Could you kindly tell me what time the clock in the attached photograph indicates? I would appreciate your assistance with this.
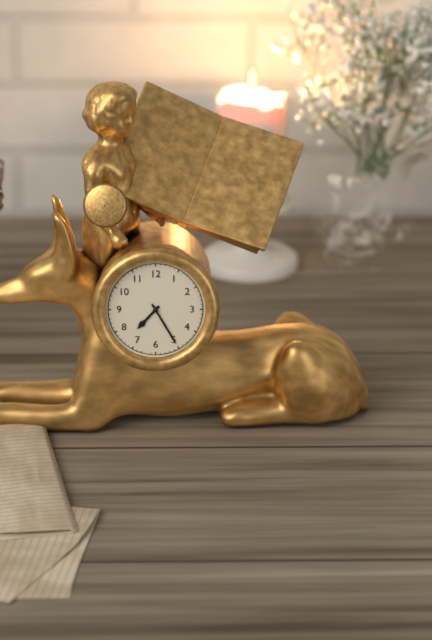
7:25
